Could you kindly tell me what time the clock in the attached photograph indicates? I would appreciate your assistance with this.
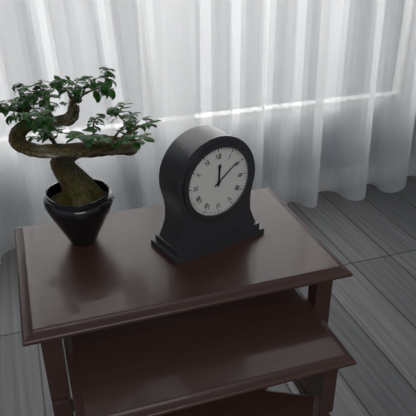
12:09
